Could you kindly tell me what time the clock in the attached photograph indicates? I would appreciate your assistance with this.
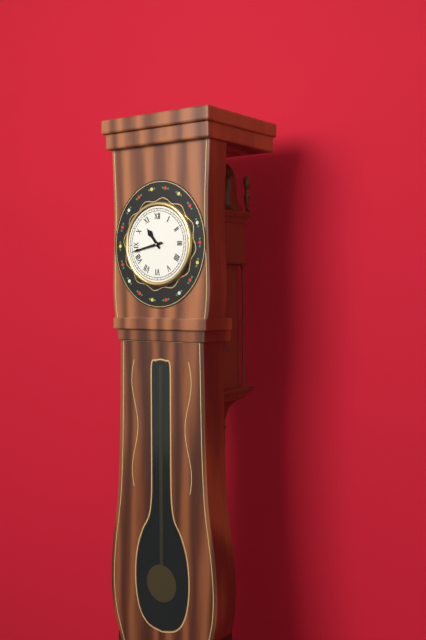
10:43
